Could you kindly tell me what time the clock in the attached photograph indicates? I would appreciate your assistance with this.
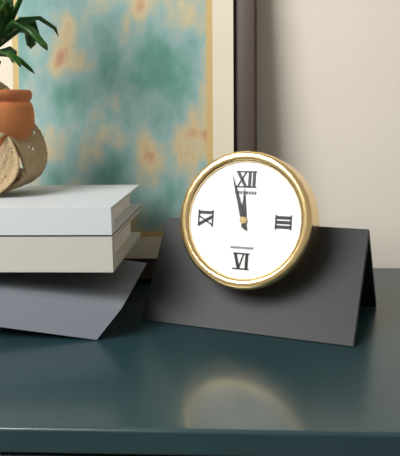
11:57
